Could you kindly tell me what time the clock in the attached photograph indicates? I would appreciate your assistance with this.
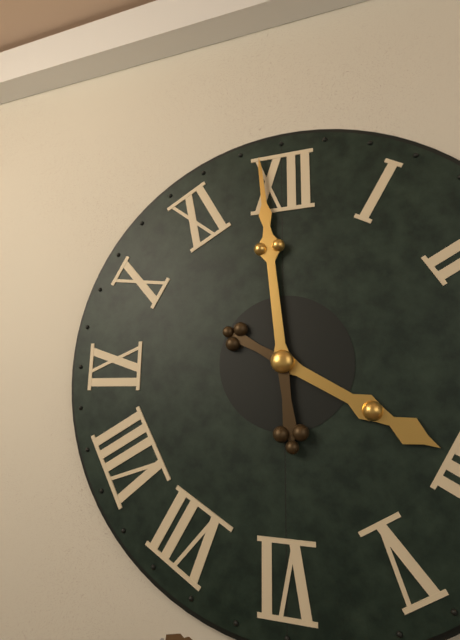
3:59
